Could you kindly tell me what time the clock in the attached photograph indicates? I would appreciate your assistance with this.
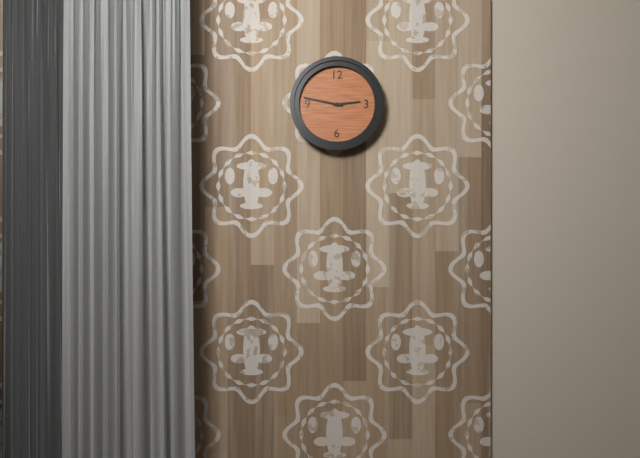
2:47
